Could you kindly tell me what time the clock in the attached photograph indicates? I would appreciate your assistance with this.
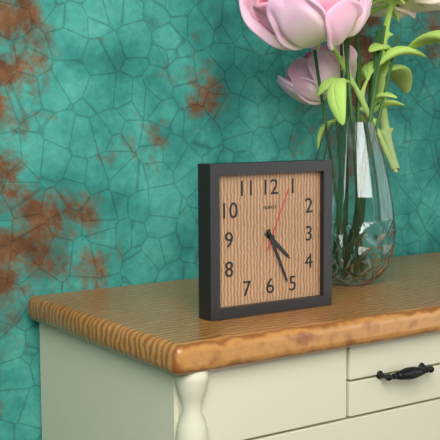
4:26:04
